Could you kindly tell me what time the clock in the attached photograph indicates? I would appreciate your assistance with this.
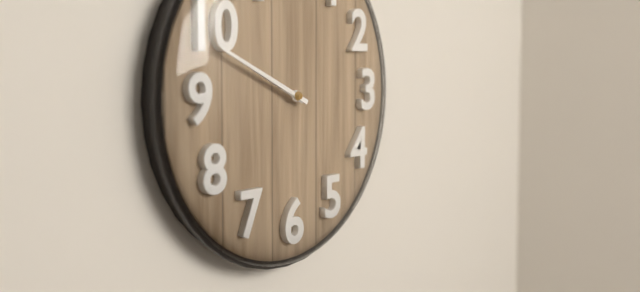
9:49
